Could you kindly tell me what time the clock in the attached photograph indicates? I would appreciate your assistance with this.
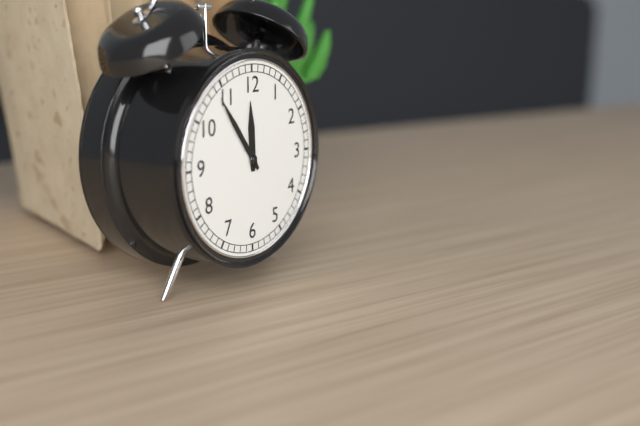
11:54
